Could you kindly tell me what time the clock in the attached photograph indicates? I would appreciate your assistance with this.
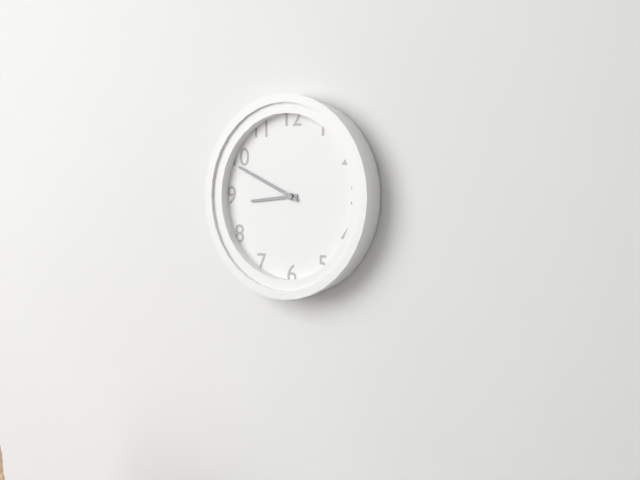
8:49
